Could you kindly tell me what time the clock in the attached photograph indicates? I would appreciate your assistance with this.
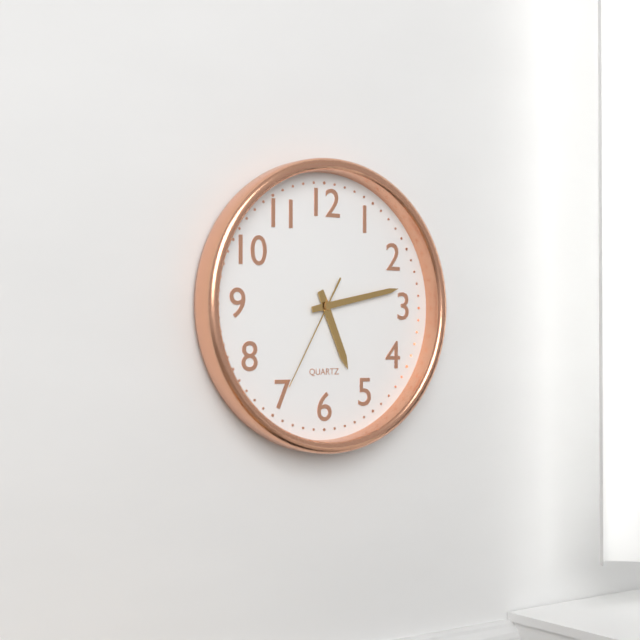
5:13:35
